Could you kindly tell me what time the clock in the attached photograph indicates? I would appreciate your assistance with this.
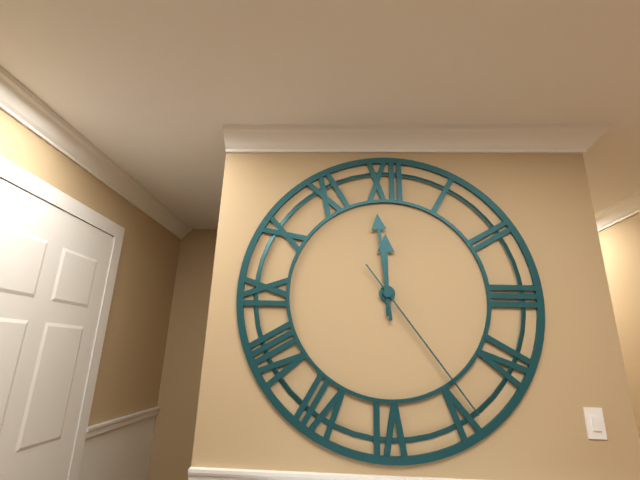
11:59:24
